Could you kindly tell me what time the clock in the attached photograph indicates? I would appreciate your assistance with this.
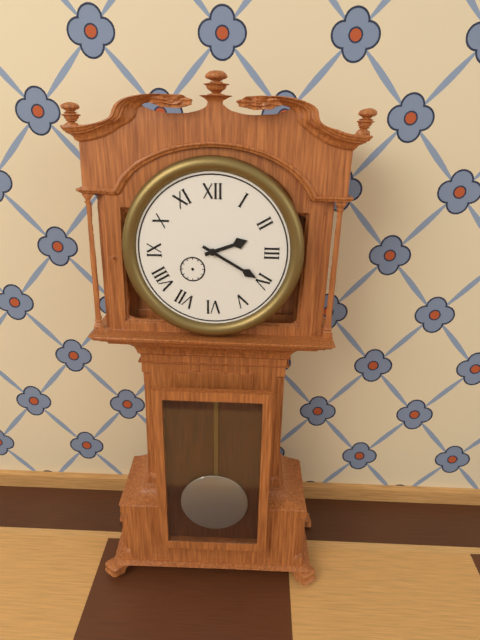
2:20
